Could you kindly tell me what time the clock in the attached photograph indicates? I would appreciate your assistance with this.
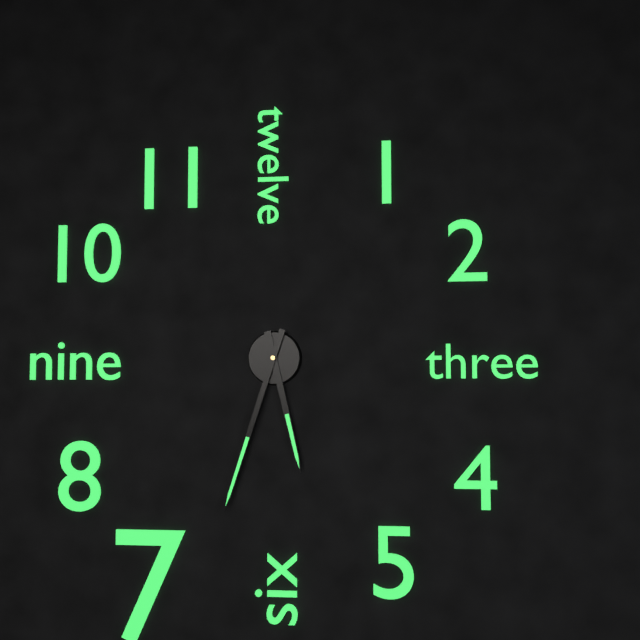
5:33
